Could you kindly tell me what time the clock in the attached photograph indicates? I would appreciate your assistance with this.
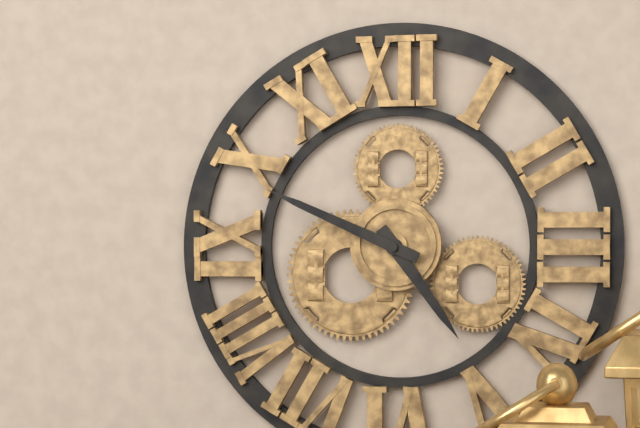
4:49
